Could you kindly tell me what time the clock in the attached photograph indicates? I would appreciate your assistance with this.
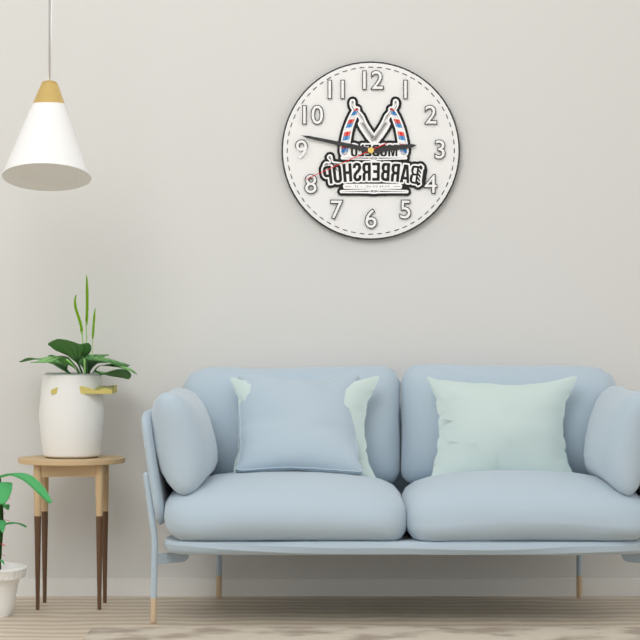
2:47:41
